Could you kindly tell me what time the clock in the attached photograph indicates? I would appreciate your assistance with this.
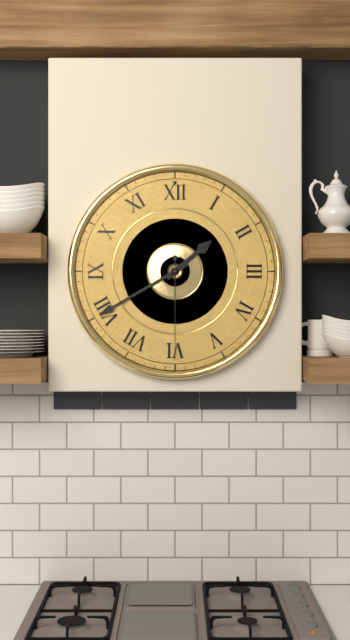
1:40:30
